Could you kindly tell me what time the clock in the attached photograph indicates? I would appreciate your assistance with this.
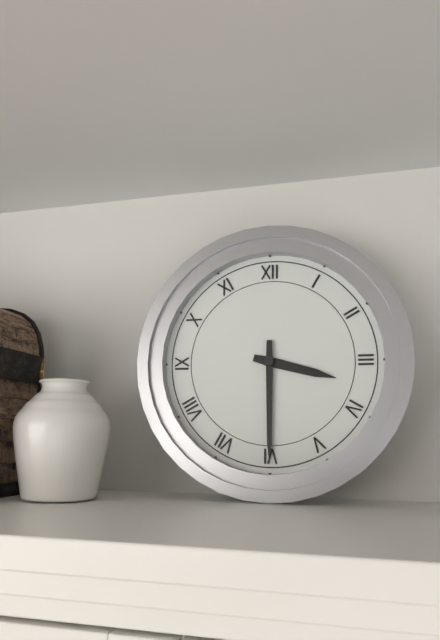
3:30
